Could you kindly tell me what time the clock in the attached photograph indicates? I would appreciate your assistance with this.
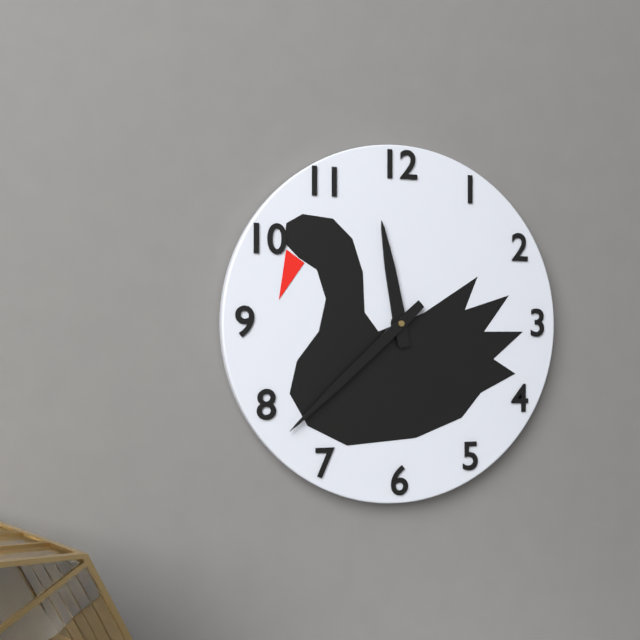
11:38
